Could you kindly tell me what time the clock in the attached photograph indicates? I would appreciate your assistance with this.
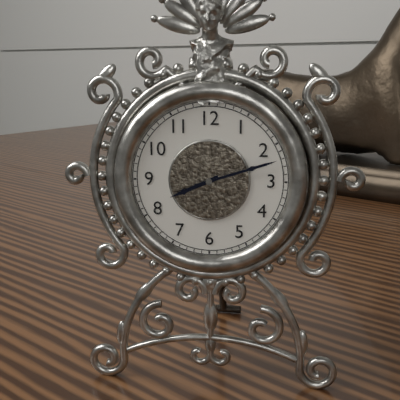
8:12
